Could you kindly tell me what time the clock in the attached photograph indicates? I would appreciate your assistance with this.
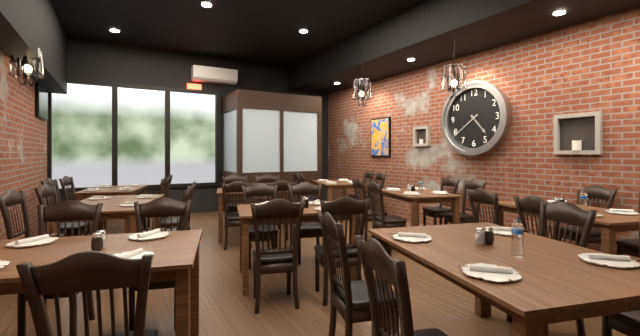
4:39
